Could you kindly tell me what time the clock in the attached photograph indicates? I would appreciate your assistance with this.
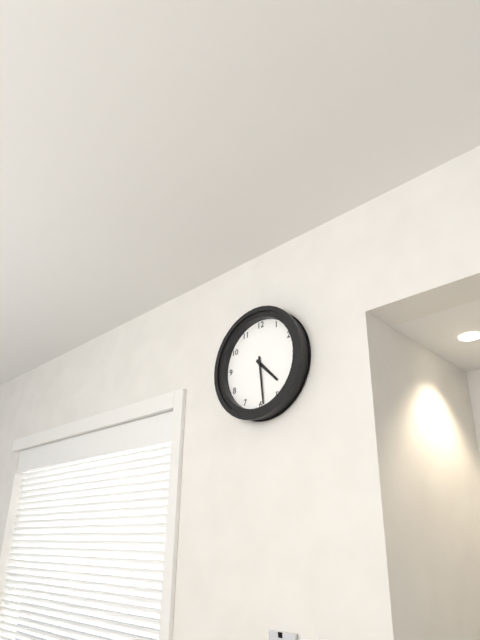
4:29
